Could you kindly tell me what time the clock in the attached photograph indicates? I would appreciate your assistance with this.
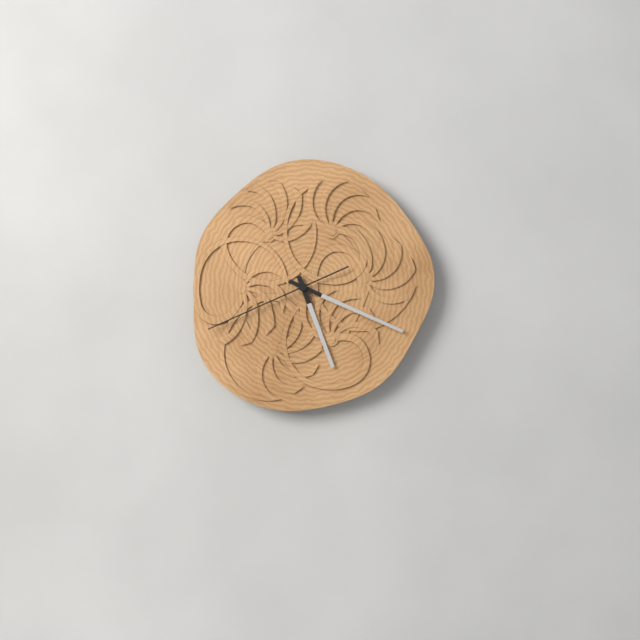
5:19:41
